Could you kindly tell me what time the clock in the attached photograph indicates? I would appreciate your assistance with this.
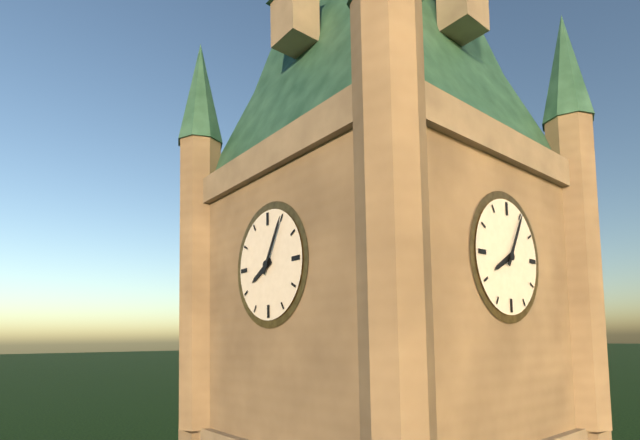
8:05
